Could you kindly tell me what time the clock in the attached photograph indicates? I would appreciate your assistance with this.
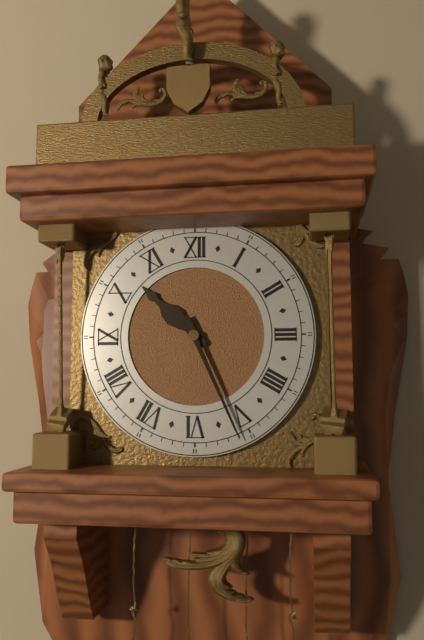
10:26
